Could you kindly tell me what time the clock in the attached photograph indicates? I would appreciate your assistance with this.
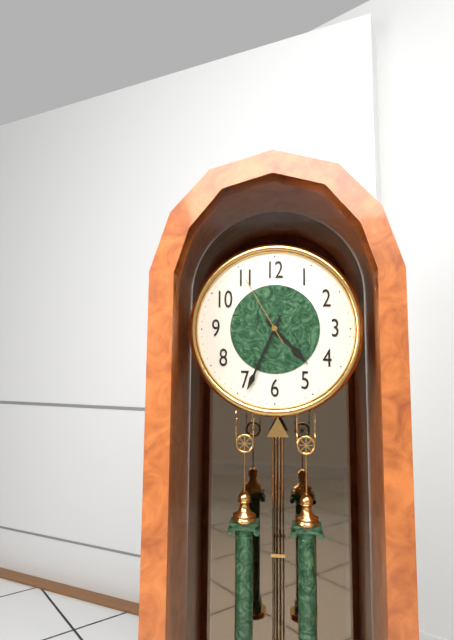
4:34:55
